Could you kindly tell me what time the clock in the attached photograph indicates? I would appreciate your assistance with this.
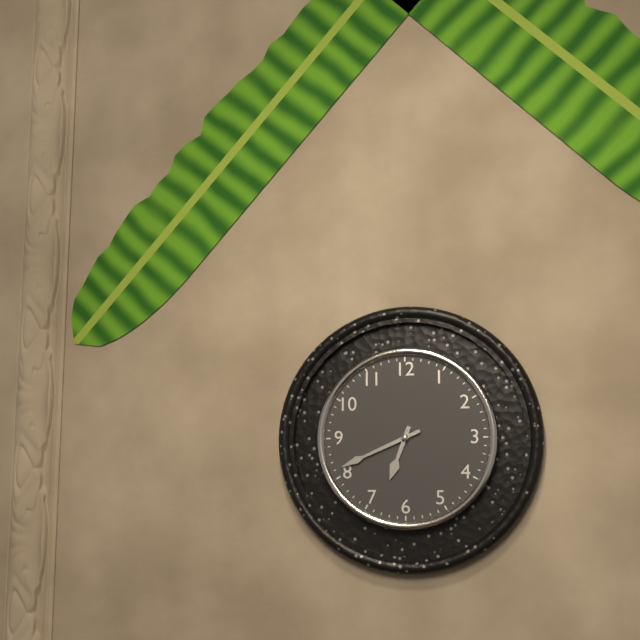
6:41
